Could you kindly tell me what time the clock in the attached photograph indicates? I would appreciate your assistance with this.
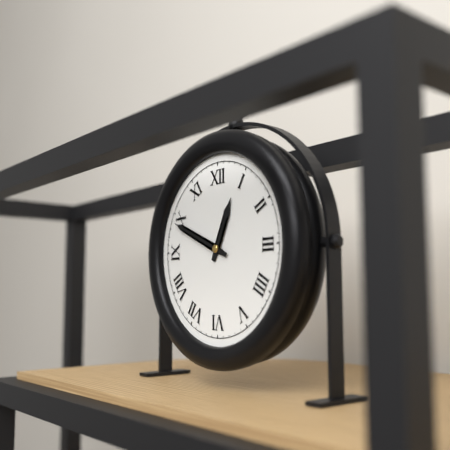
12:49
